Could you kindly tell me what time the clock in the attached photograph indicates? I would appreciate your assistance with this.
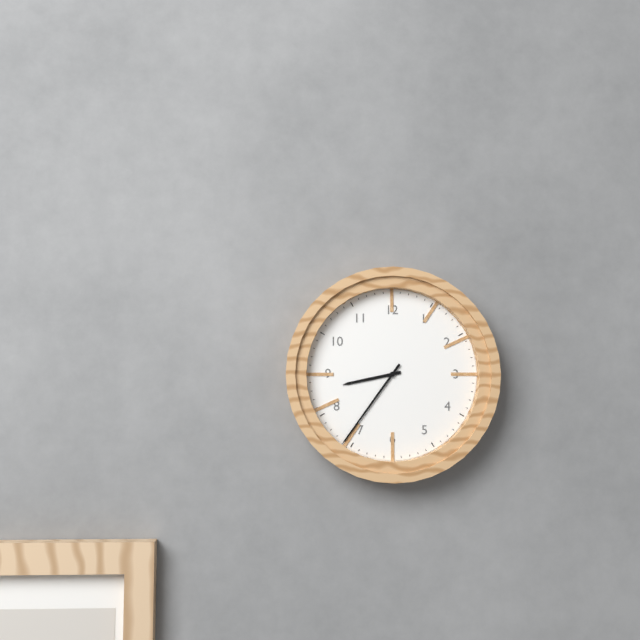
8:36
